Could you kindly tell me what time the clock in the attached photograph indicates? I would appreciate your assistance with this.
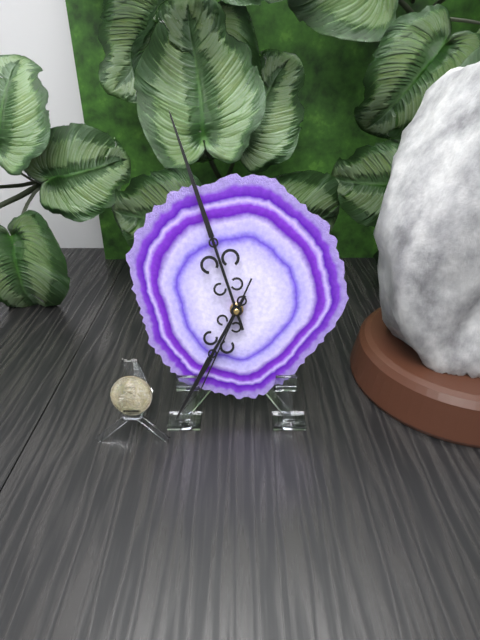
6:57:34
